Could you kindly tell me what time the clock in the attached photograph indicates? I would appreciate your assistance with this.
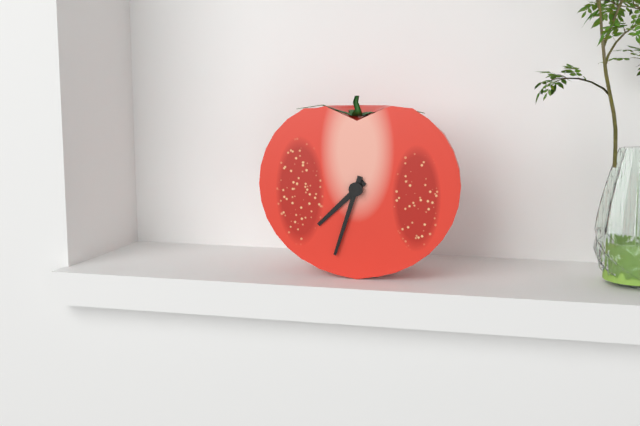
7:33
